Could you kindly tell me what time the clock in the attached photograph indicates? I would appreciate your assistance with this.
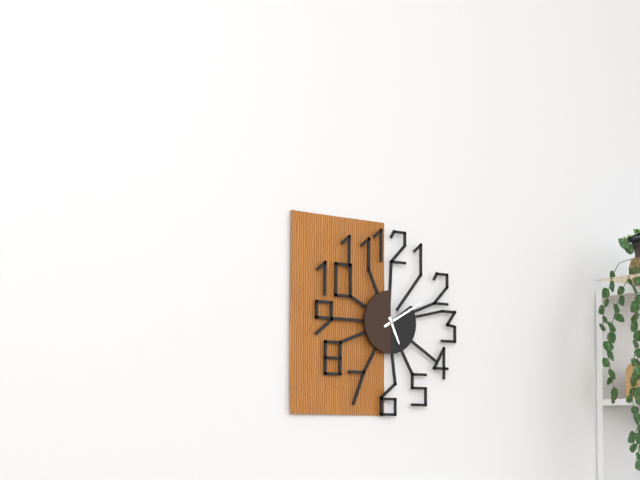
5:10
